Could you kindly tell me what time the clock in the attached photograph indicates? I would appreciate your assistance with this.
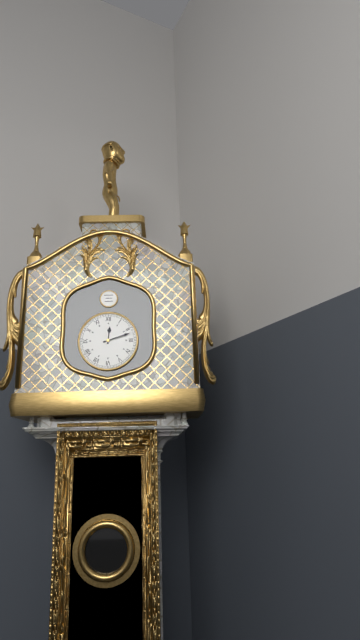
12:12
